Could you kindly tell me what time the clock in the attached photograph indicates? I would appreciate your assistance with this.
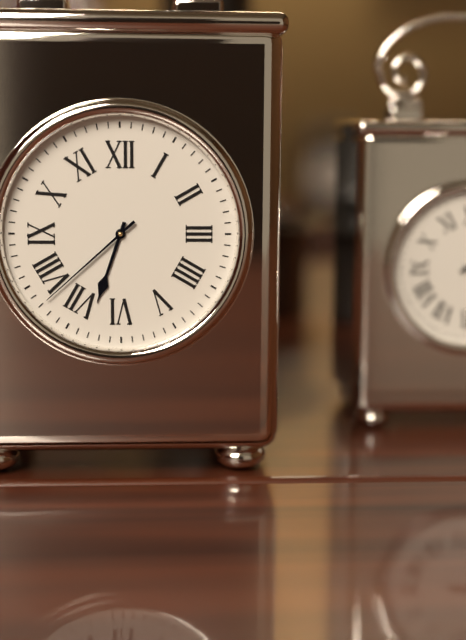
6:38
